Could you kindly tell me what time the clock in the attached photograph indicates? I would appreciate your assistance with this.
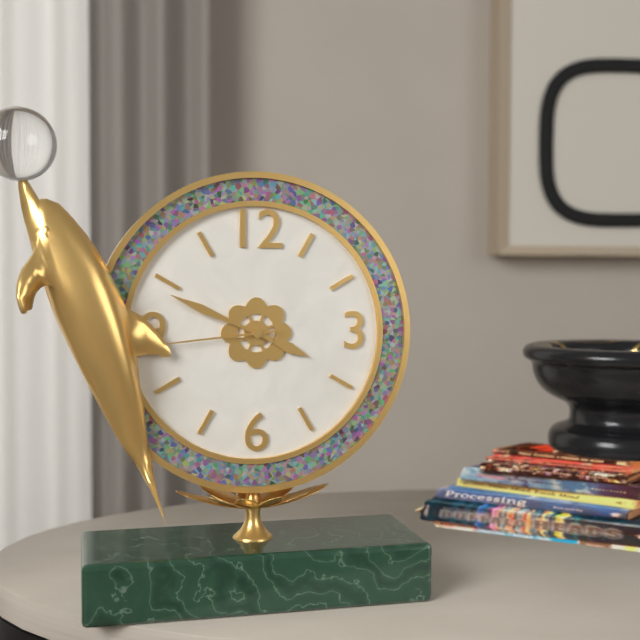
3:49:44
